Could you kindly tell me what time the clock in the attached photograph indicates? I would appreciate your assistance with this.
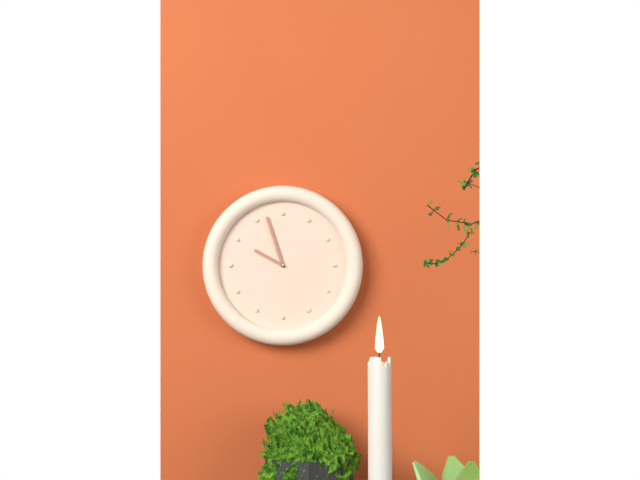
9:57
